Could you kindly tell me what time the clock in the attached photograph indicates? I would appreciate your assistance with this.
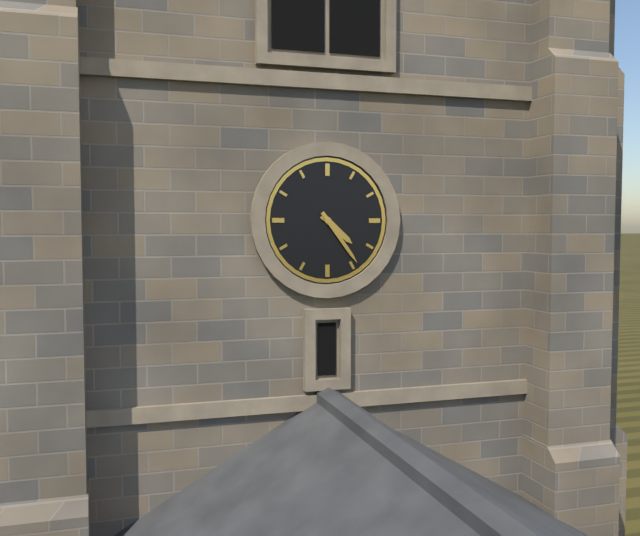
4:24
